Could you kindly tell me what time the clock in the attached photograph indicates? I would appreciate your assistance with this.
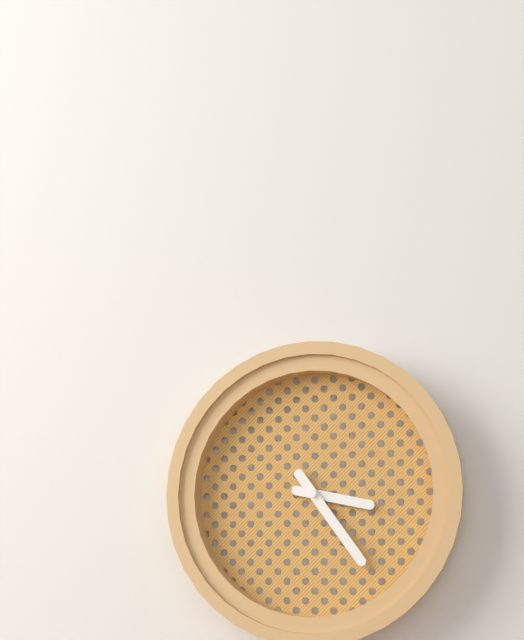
3:24
